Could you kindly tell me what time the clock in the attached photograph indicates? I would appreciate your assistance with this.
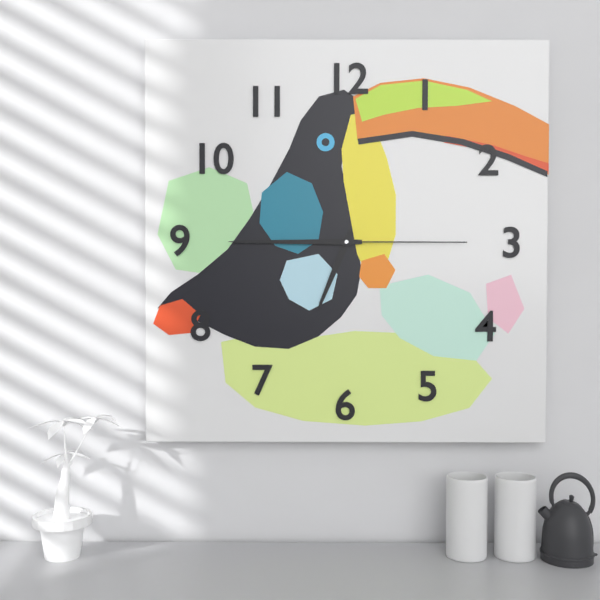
6:45:15
